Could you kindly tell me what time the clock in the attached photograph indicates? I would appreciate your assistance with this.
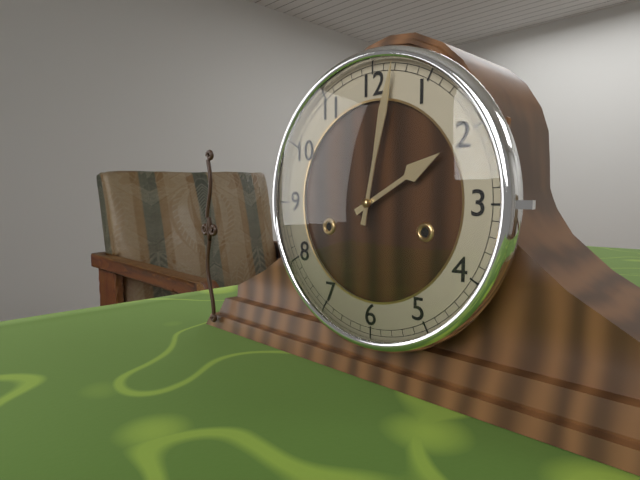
2:02
